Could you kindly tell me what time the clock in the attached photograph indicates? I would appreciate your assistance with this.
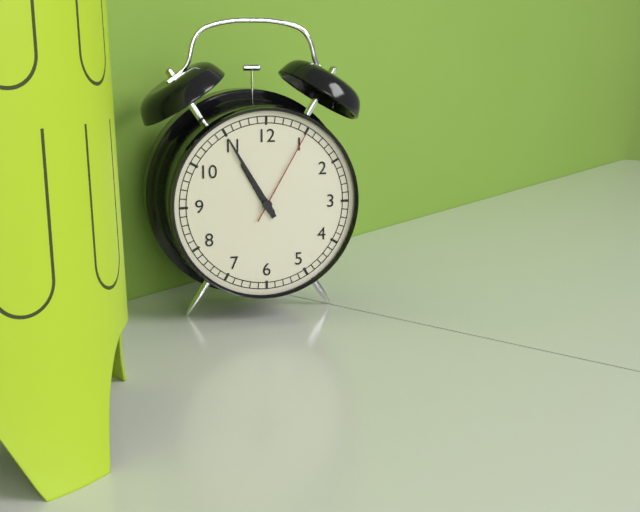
10:55:05
